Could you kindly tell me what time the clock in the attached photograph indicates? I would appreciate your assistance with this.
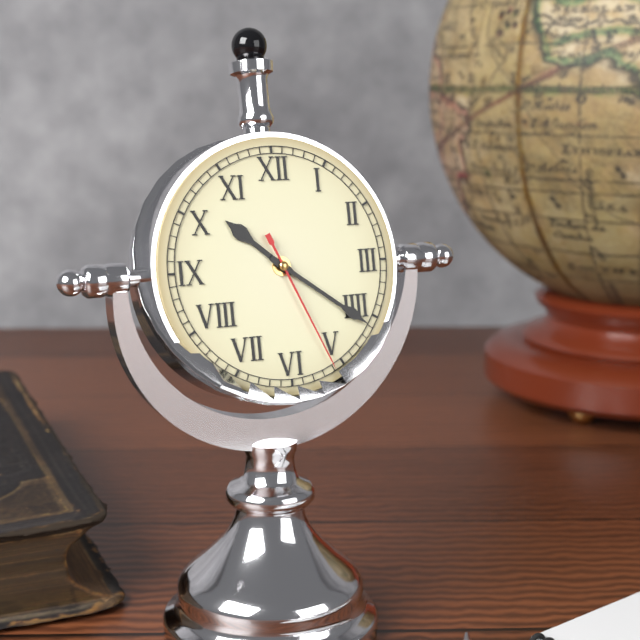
10:21:26
